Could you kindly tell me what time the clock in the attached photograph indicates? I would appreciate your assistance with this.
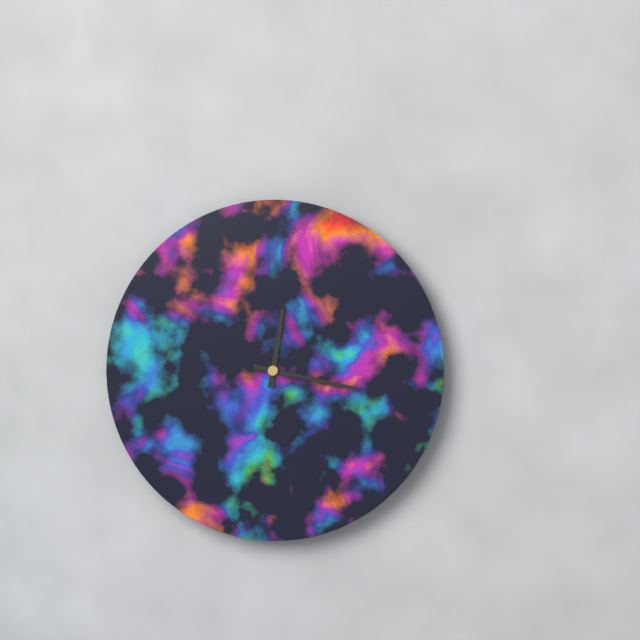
12:17
